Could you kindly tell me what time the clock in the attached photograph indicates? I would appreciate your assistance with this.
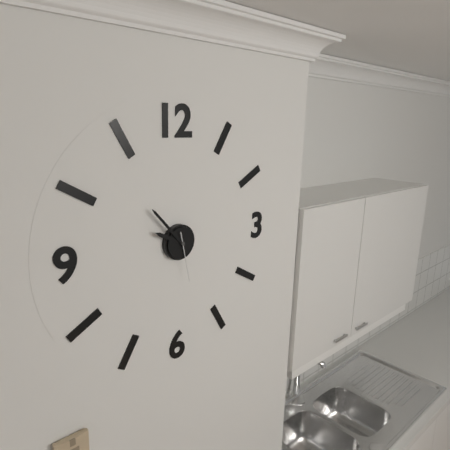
9:53
